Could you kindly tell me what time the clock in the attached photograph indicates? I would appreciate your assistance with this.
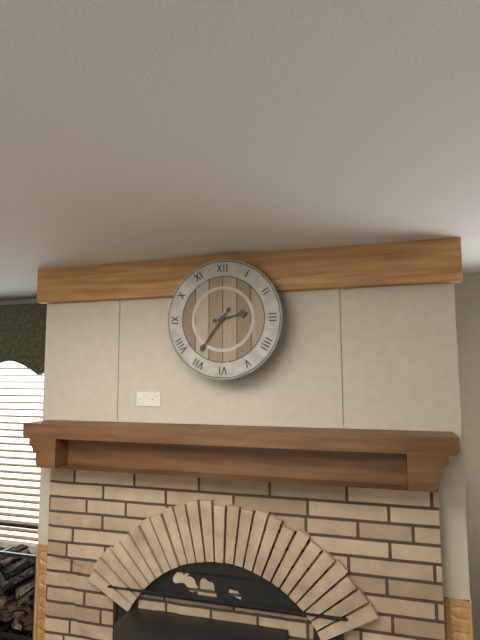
2:36
